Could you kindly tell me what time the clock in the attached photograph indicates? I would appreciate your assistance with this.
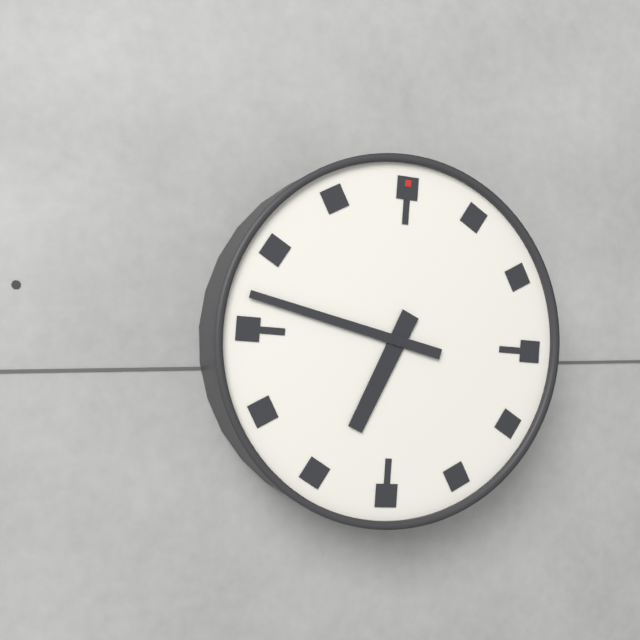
6:47
